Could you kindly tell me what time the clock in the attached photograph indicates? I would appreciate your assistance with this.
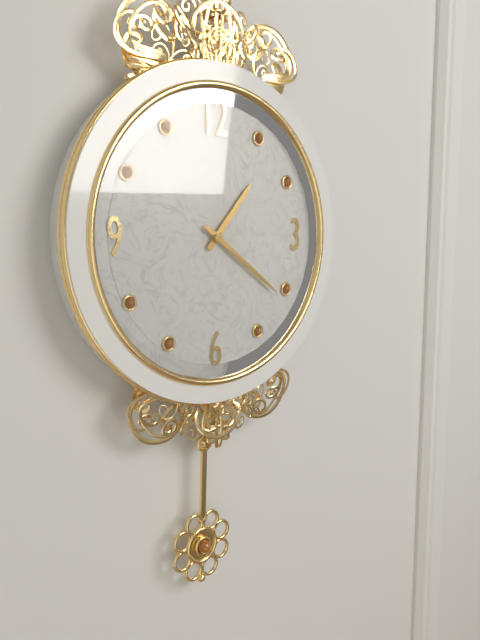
1:21
